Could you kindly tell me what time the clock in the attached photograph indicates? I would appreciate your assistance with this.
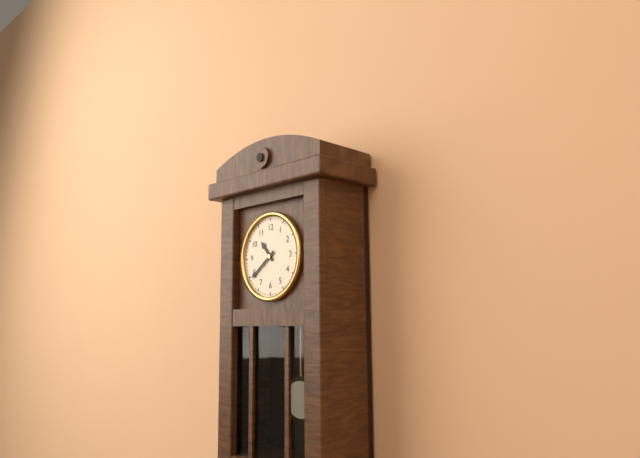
10:39
